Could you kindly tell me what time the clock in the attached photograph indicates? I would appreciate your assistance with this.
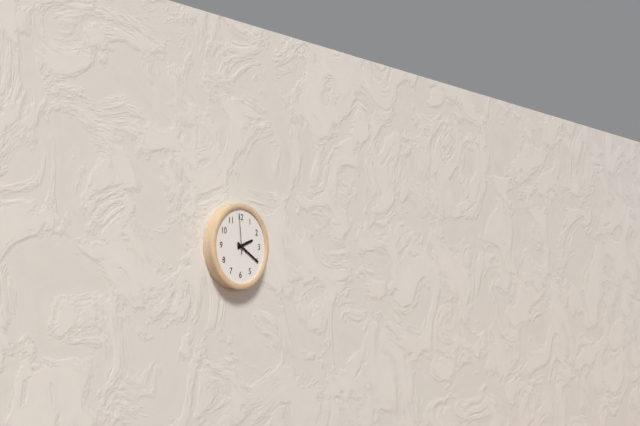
2:20
